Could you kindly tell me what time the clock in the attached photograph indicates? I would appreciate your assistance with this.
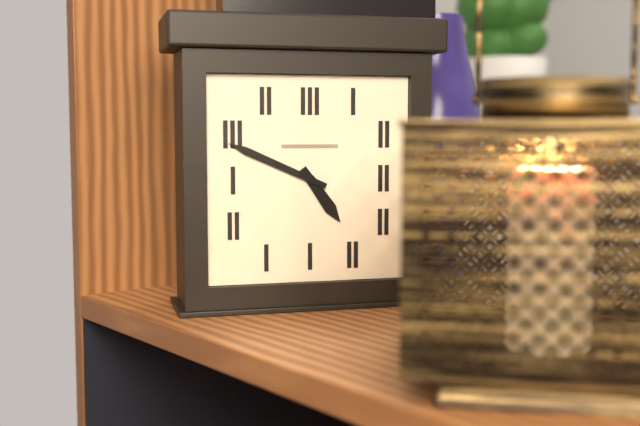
4:49
